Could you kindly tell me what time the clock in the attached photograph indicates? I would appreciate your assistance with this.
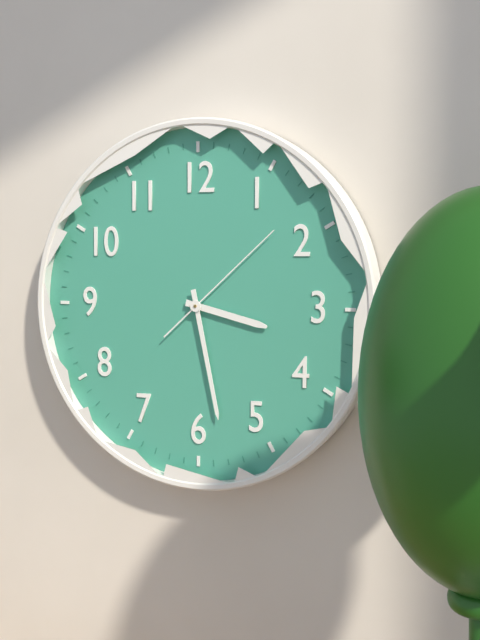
3:28:08
